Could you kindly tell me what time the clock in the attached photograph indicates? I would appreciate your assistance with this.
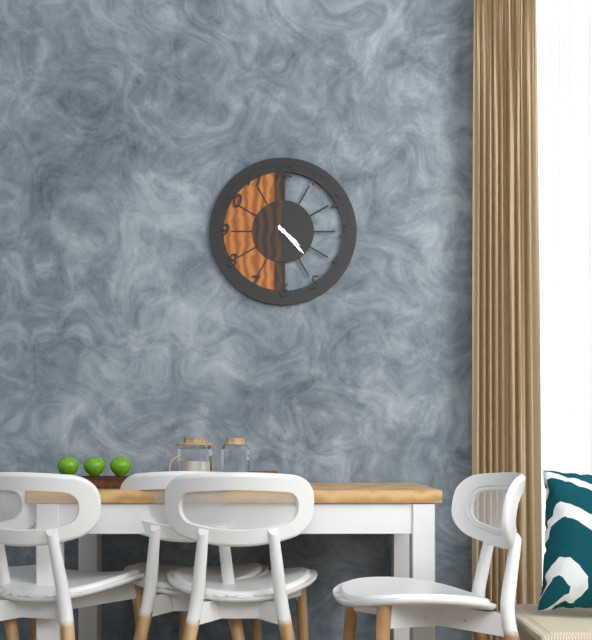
4:23
